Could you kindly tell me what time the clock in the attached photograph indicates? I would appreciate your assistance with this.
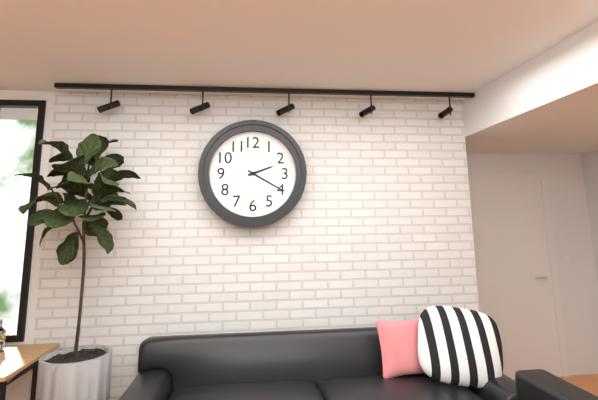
2:20
